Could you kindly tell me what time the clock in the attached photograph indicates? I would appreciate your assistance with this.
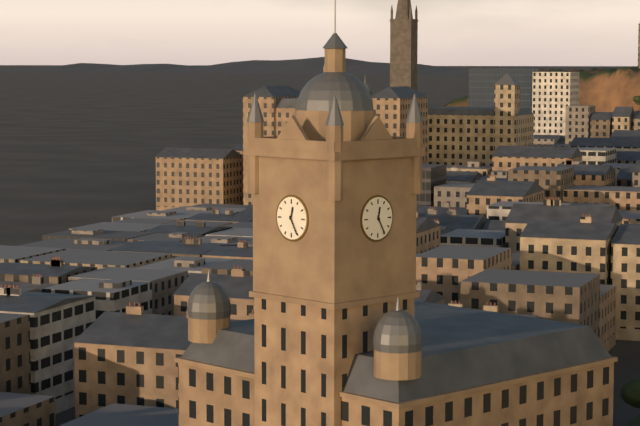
12:25
